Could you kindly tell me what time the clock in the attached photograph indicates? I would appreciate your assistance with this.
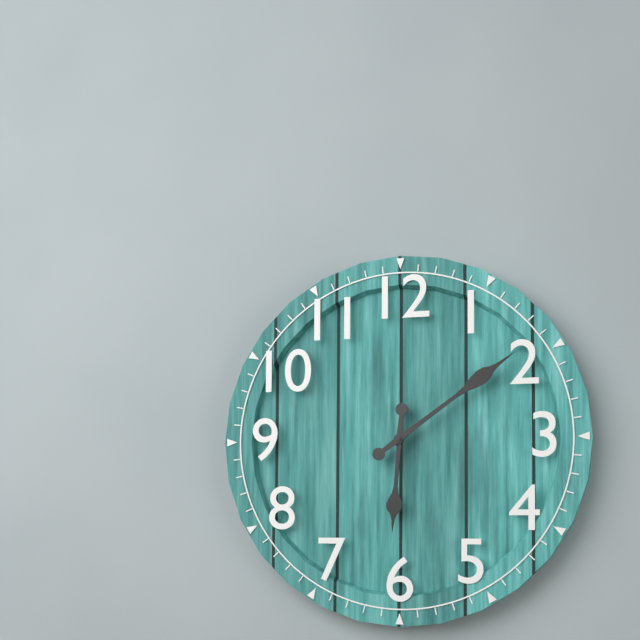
6:09
